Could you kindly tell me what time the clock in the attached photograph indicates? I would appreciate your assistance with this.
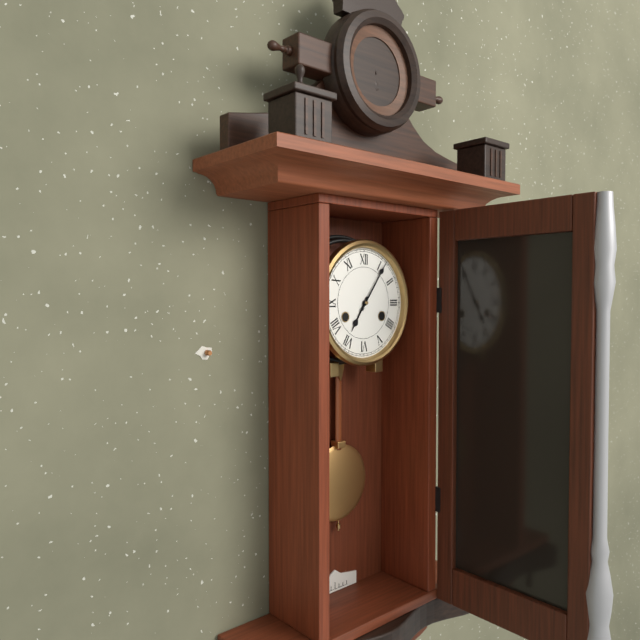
7:06
